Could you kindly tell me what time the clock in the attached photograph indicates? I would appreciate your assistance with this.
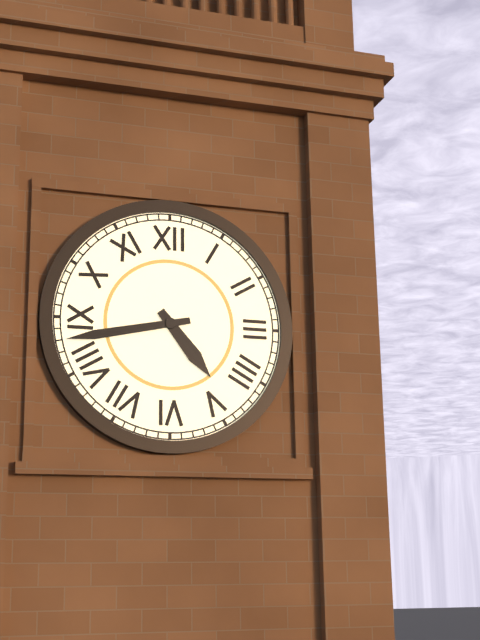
4:43
